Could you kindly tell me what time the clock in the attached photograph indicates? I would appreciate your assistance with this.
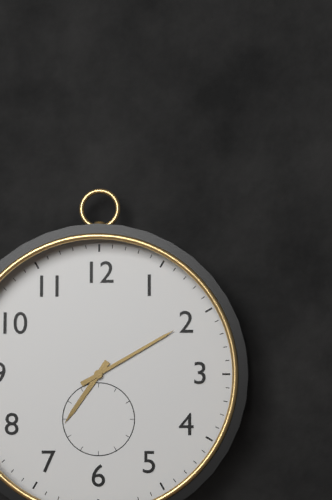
7:10
